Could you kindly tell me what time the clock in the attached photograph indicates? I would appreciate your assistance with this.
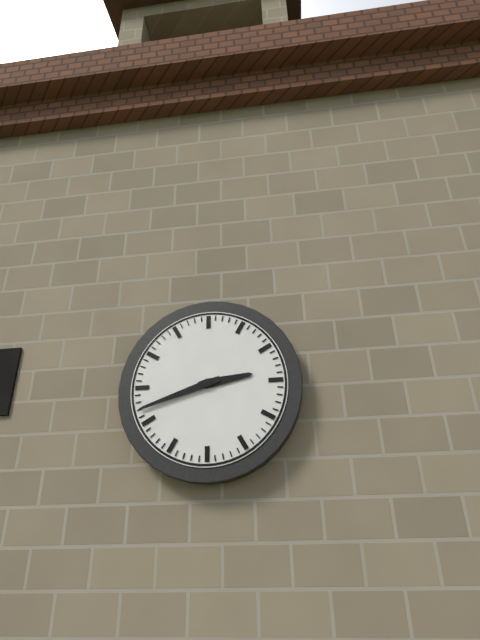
2:42
